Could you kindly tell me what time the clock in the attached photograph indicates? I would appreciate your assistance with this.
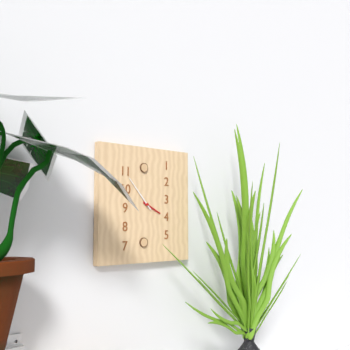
3:53
